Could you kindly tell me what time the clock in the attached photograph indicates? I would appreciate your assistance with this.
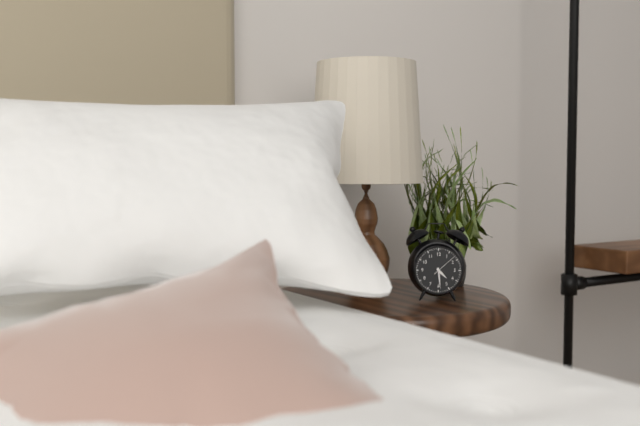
4:29
